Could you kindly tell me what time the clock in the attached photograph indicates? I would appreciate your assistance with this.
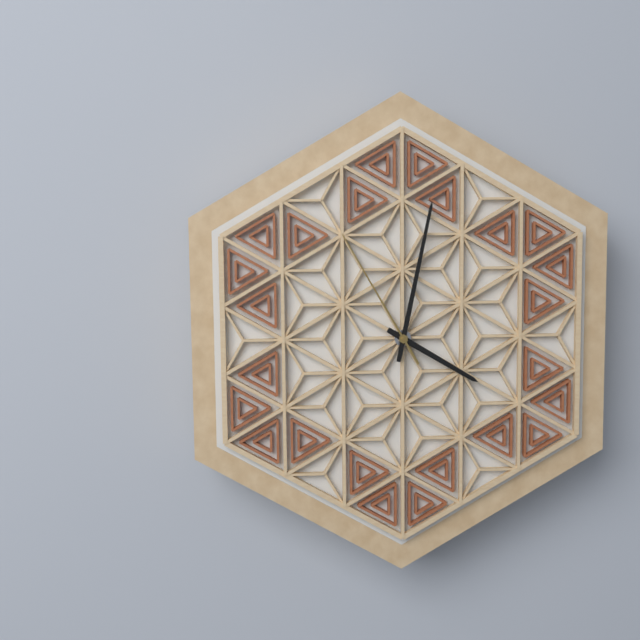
4:02:55
